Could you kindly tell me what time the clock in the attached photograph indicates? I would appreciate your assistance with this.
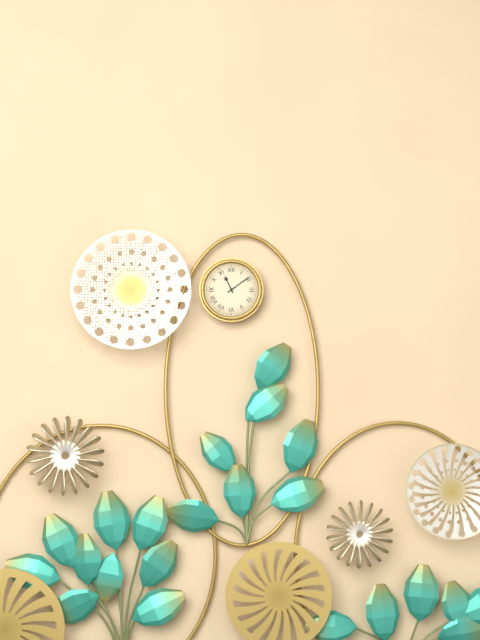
11:09
